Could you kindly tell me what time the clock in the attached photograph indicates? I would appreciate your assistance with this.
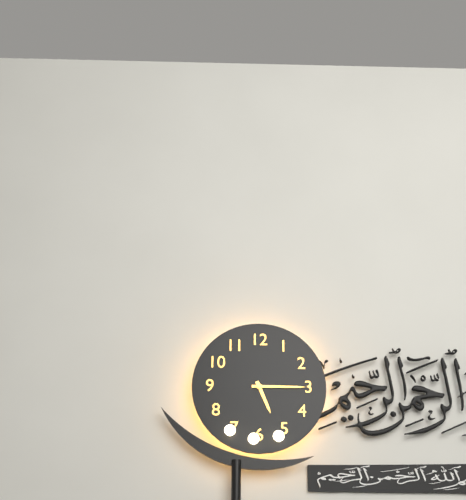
5:15
